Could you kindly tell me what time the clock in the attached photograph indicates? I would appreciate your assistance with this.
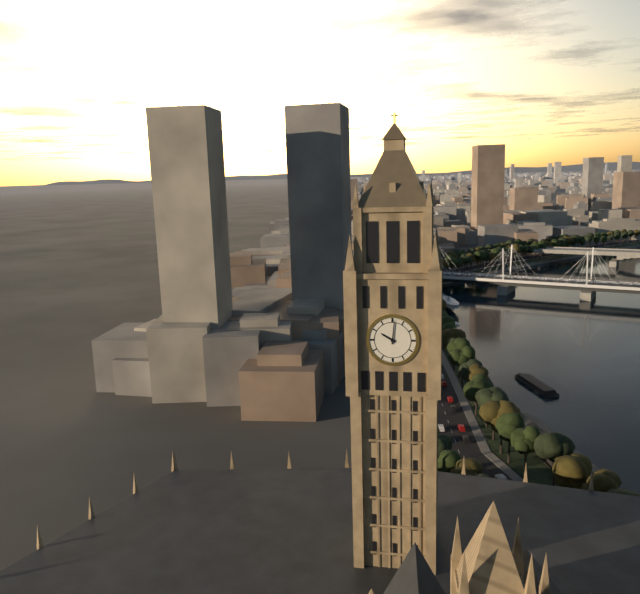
10:01
